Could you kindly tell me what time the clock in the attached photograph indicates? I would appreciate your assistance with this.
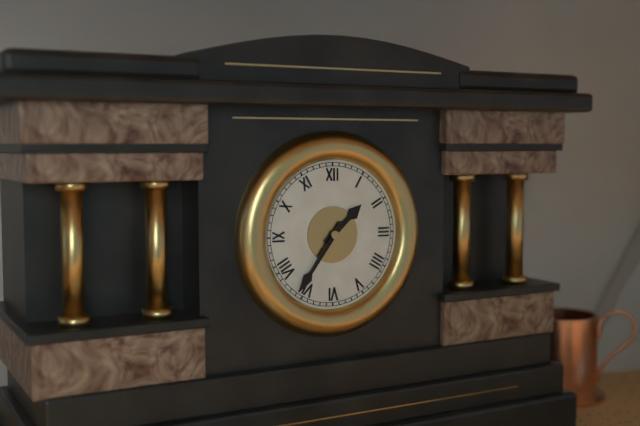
1:36
